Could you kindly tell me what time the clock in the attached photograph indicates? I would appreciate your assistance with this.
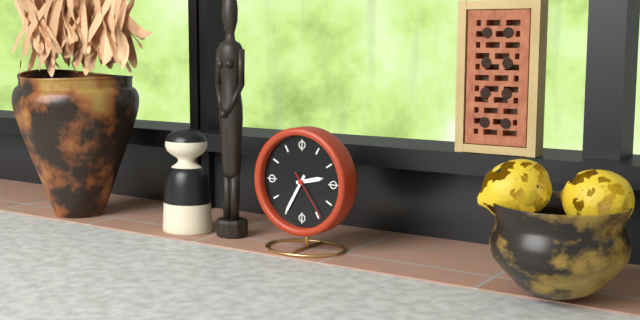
2:35:24
